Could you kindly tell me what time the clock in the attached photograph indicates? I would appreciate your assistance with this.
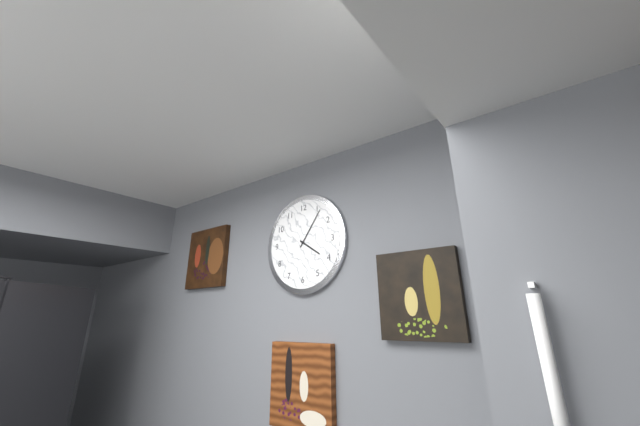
4:06
